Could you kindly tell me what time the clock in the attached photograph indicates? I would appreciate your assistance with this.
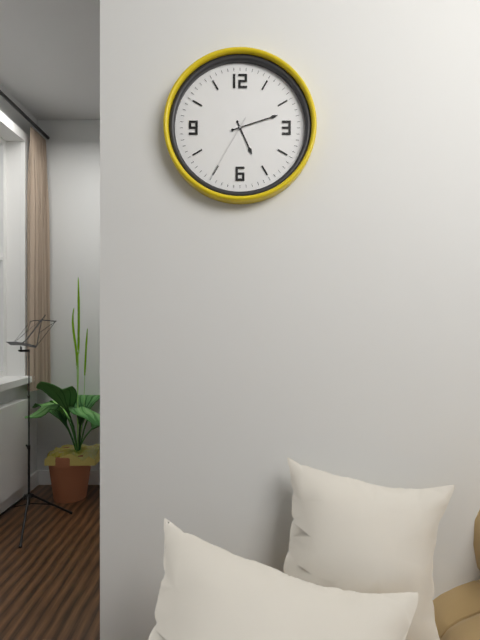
5:12:35
